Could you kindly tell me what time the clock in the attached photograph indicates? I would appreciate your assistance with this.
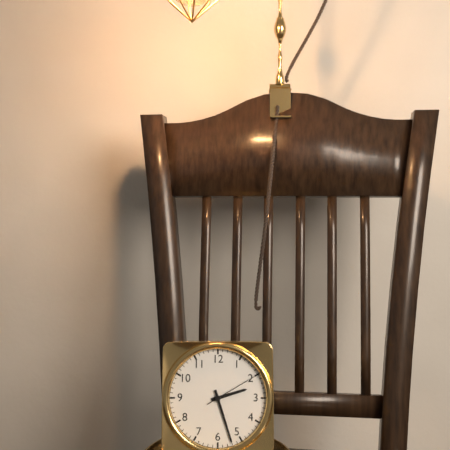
2:27:10
